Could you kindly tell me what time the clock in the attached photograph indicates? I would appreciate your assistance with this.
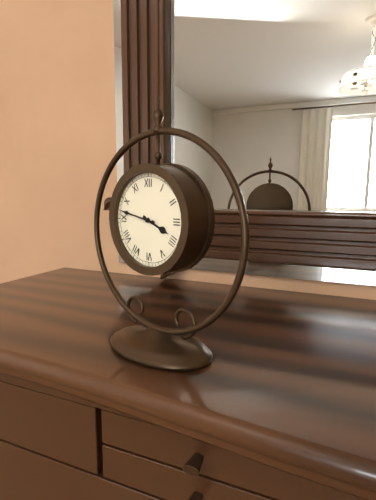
3:47
